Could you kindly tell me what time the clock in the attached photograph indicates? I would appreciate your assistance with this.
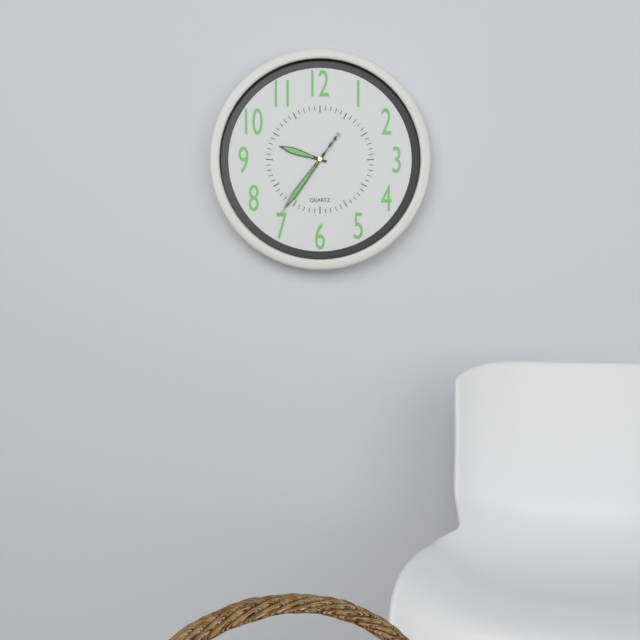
9:36:36
